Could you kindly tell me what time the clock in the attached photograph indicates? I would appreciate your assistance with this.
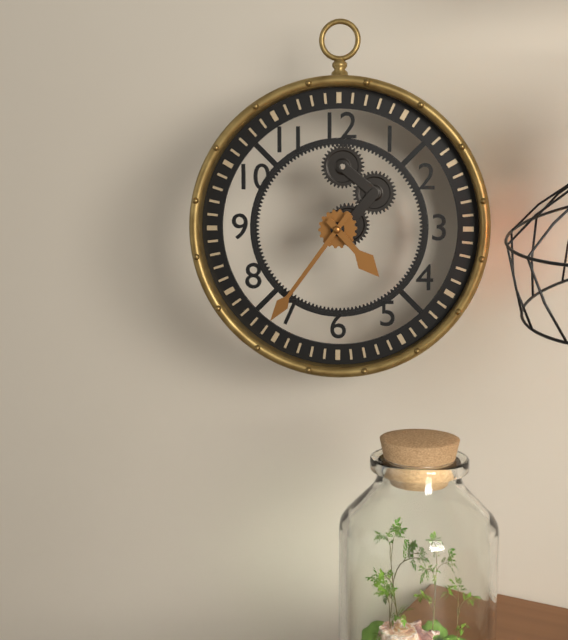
4:36
